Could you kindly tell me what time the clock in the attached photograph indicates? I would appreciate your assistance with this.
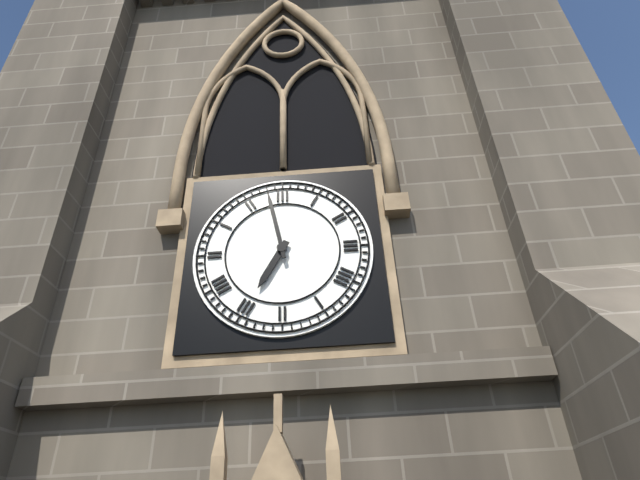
6:58
